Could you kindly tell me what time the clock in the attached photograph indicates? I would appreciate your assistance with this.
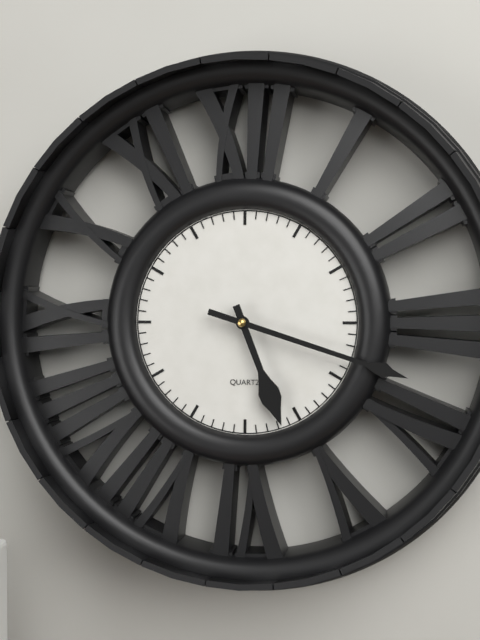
5:18
